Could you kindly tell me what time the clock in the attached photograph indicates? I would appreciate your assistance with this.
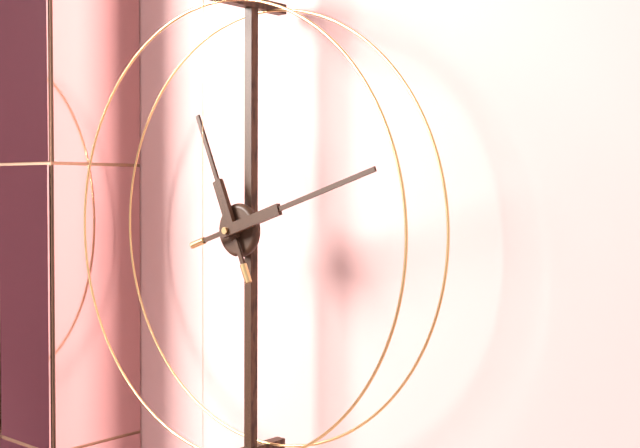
11:12
